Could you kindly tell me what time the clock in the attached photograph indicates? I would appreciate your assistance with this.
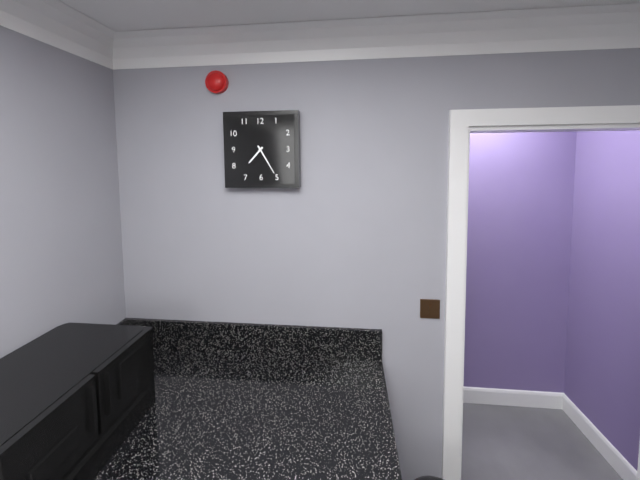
7:25
